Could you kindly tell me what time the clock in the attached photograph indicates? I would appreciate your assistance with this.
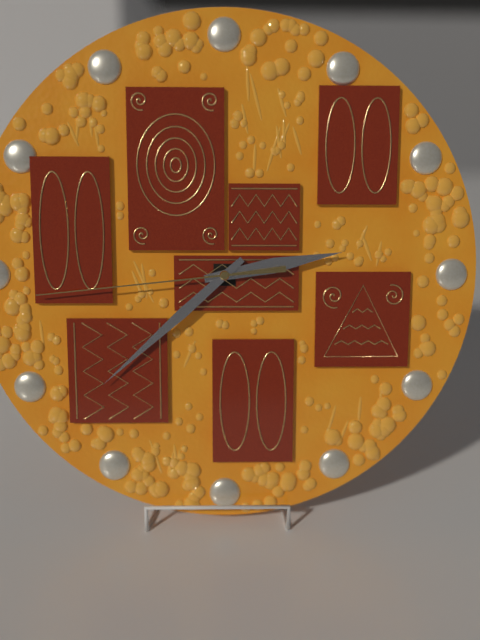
2:38:44
